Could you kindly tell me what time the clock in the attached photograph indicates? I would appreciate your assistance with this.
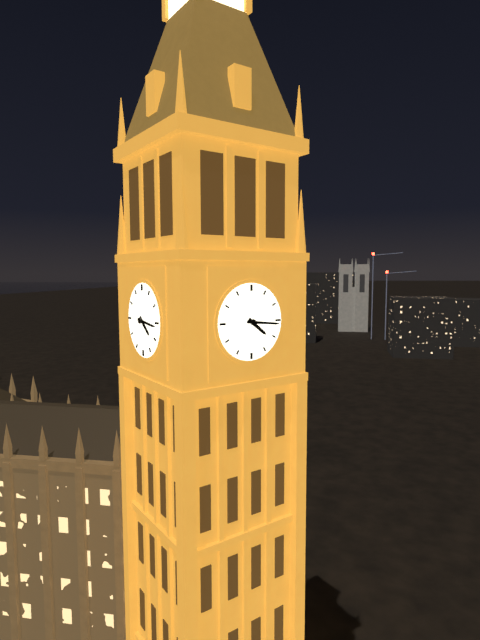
4:16
